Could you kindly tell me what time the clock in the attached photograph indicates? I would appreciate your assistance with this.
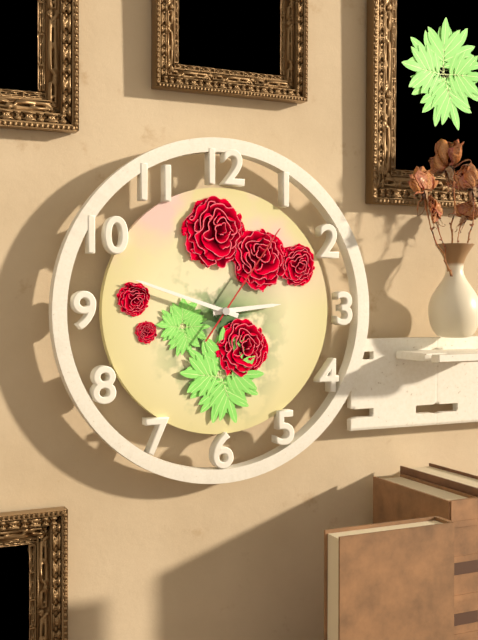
2:48:06
